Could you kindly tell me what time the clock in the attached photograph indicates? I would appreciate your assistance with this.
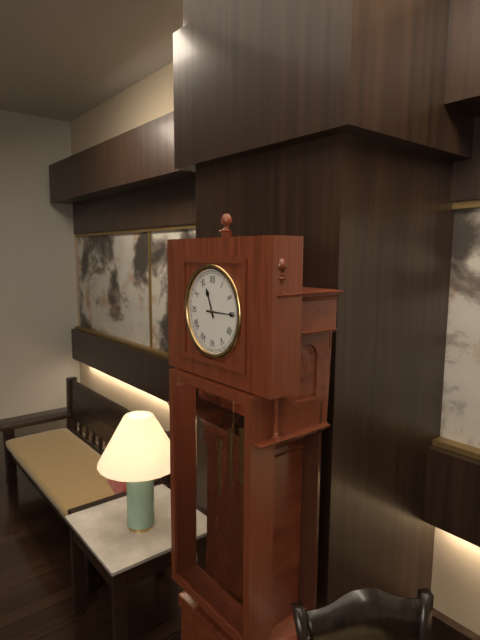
11:15
